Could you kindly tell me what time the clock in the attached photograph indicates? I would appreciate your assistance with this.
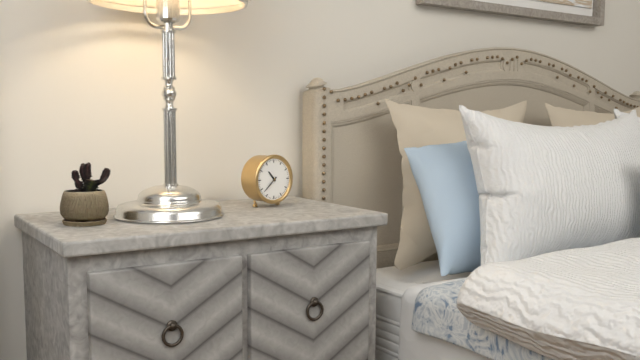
10:38
